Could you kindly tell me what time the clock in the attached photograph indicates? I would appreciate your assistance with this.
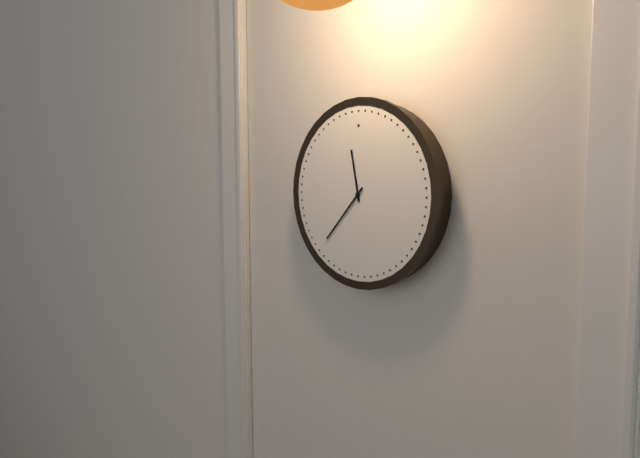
11:37
